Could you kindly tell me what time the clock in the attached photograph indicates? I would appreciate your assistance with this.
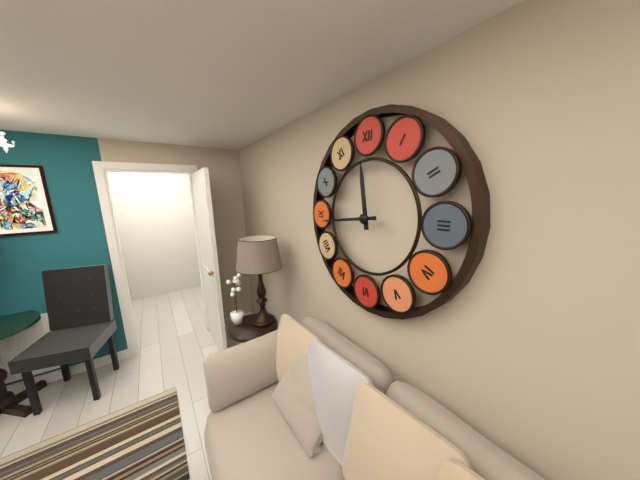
11:44
